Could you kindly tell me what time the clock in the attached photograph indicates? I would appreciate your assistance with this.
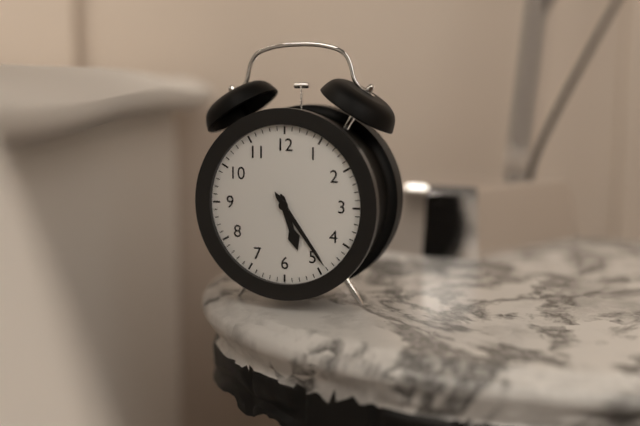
5:24
